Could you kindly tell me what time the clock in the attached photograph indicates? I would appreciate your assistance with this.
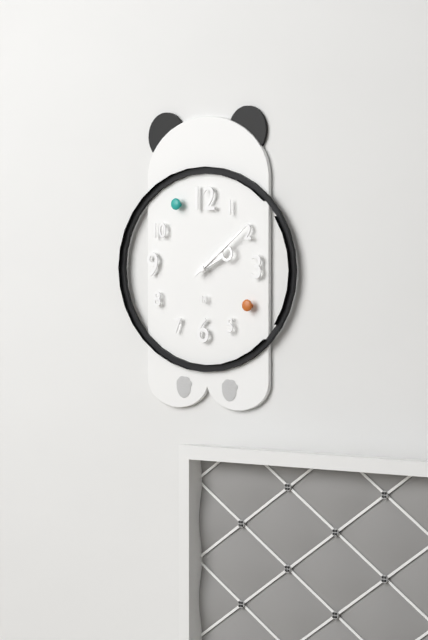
2:09
